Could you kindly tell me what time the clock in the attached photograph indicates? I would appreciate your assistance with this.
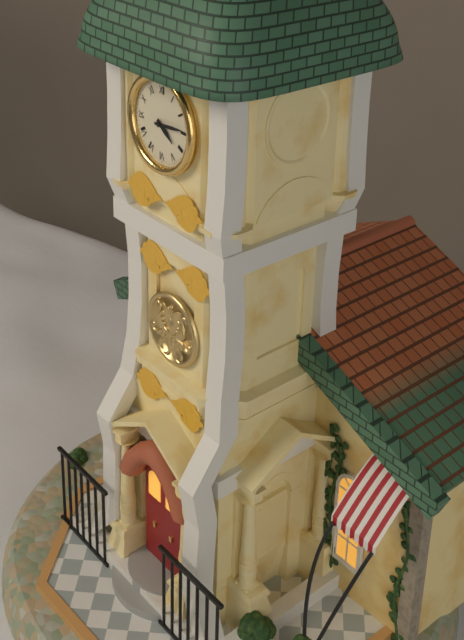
4:14
